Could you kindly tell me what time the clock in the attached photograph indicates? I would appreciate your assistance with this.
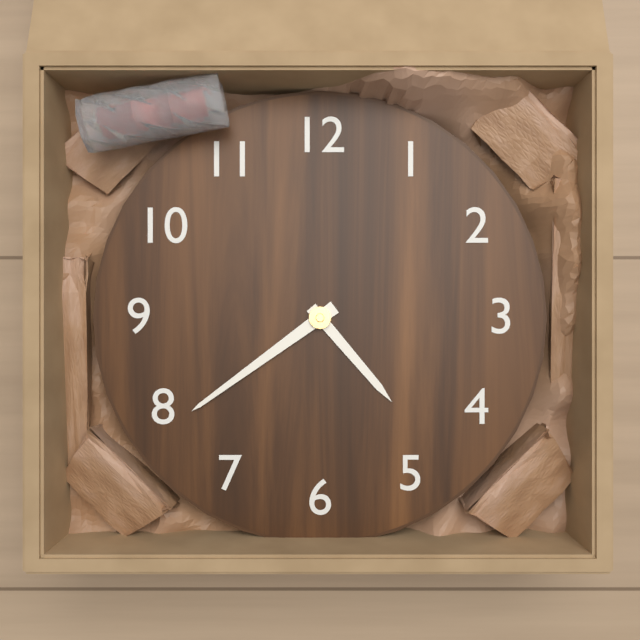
4:39
